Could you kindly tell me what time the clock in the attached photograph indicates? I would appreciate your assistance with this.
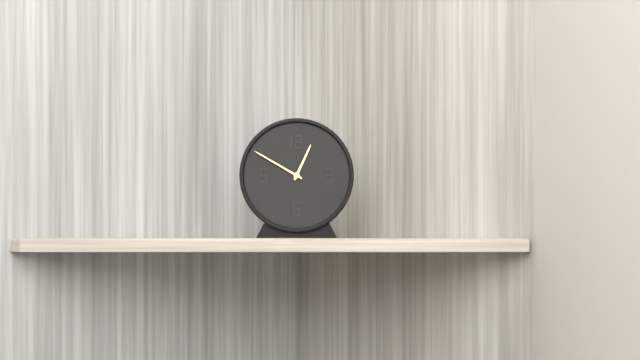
12:50
